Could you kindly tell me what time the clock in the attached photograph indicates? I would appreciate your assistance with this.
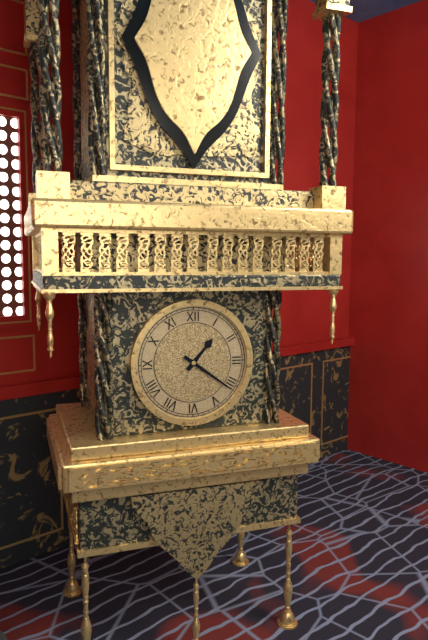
1:21
